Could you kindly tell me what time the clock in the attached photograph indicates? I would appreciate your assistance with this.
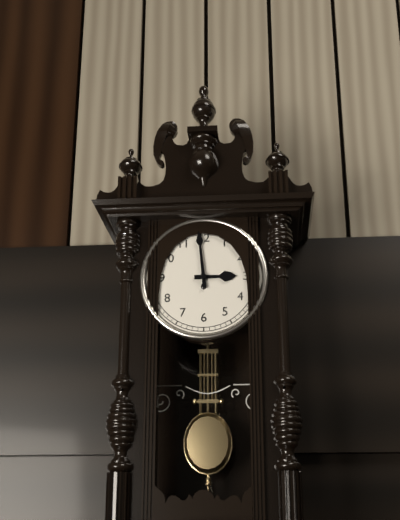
2:59
